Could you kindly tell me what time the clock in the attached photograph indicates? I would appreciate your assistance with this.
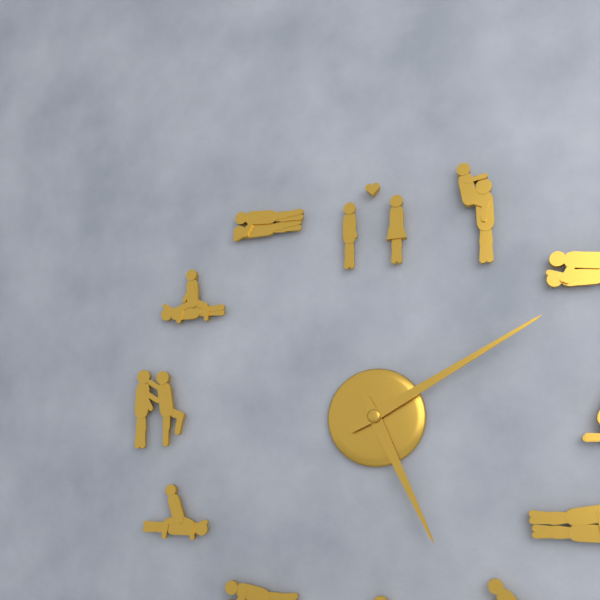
5:10
